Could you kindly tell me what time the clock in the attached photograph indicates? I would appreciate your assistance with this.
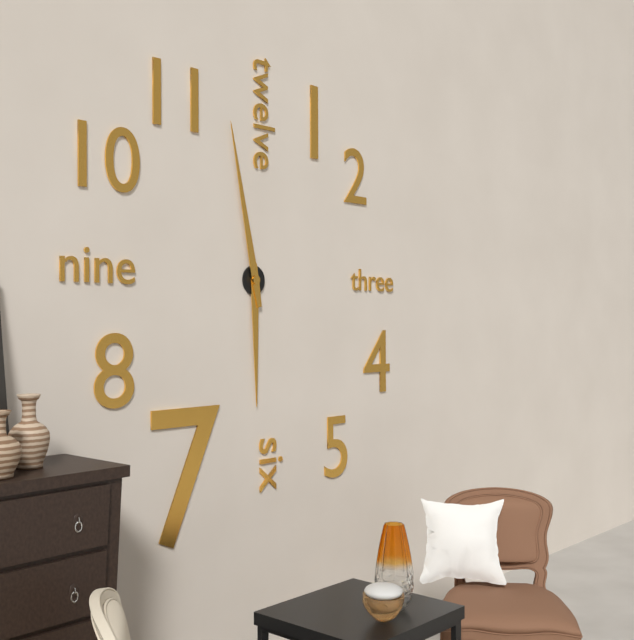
5:58
